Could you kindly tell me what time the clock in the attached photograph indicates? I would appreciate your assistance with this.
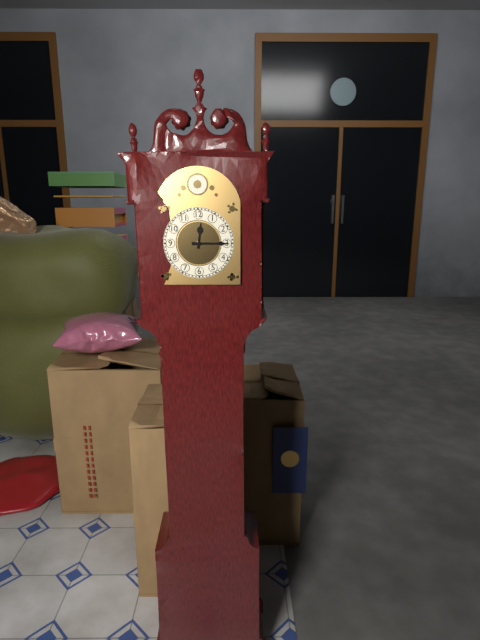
12:15
